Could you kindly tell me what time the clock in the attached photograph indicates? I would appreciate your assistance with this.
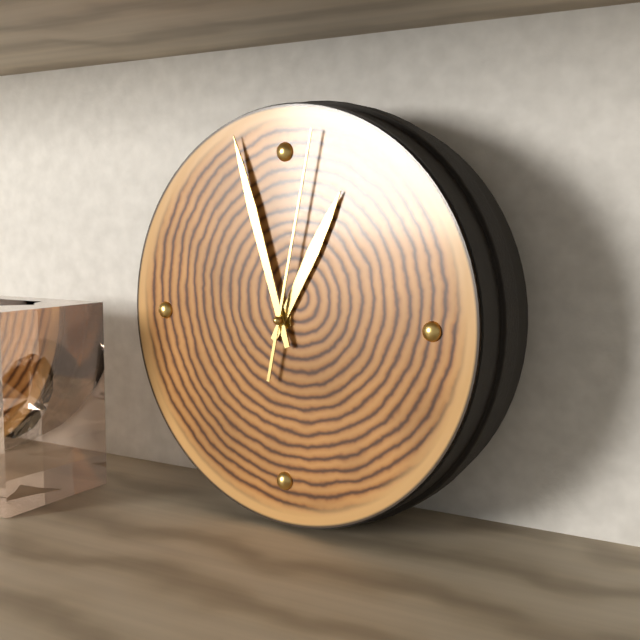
12:57:02
